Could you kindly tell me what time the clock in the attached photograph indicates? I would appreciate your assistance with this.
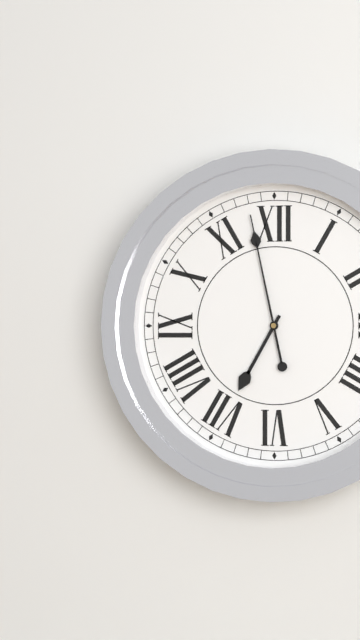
6:58
